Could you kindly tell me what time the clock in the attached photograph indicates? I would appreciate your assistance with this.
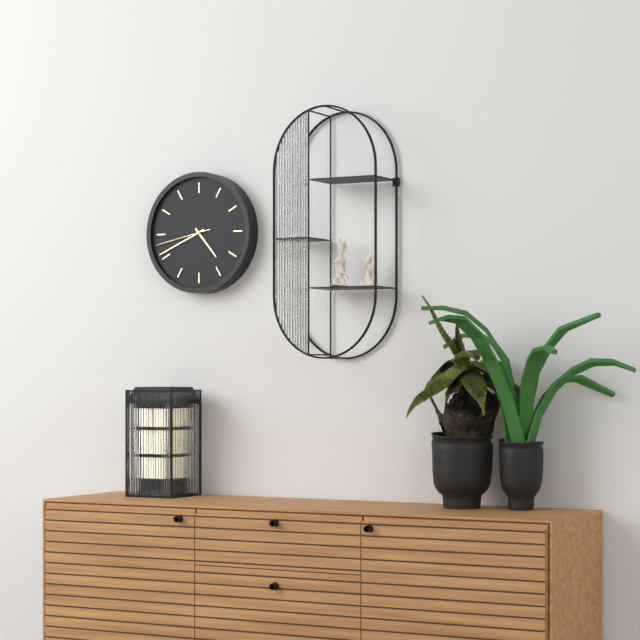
4:41:43
